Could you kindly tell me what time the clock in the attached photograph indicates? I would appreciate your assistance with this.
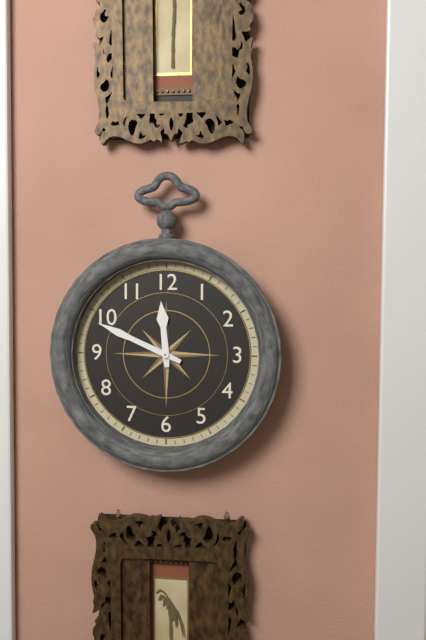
11:49
